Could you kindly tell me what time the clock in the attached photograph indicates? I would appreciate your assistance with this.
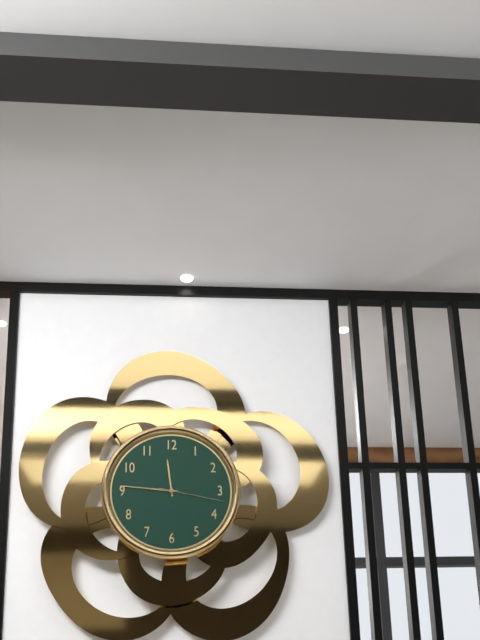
11:46:17
